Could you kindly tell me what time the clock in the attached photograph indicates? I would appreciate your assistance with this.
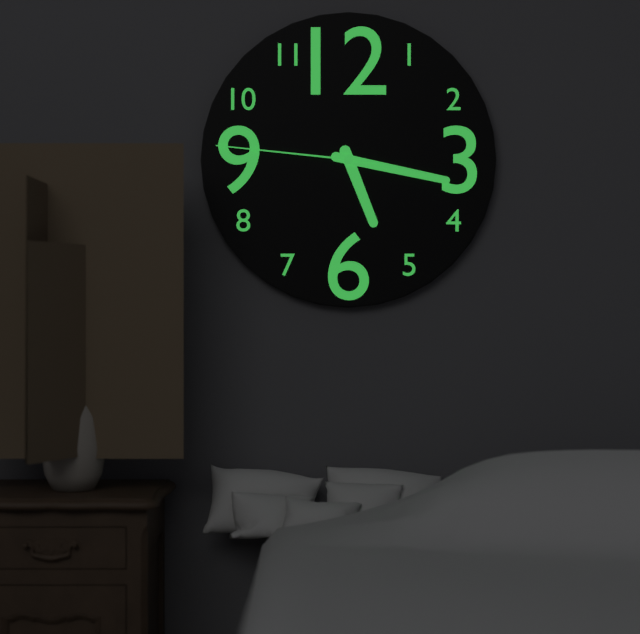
5:17:46
